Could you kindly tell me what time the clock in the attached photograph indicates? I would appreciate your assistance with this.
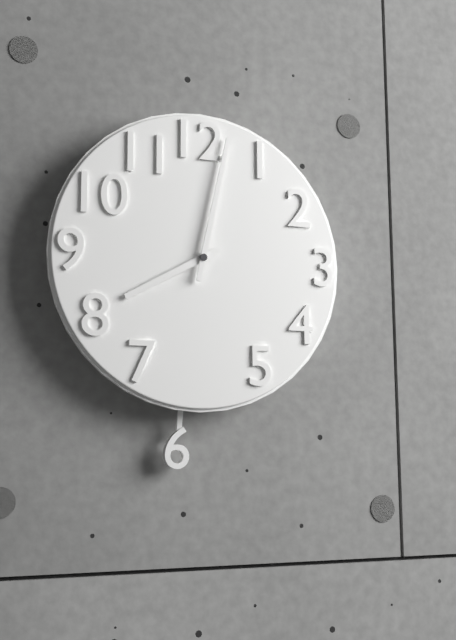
8:02
